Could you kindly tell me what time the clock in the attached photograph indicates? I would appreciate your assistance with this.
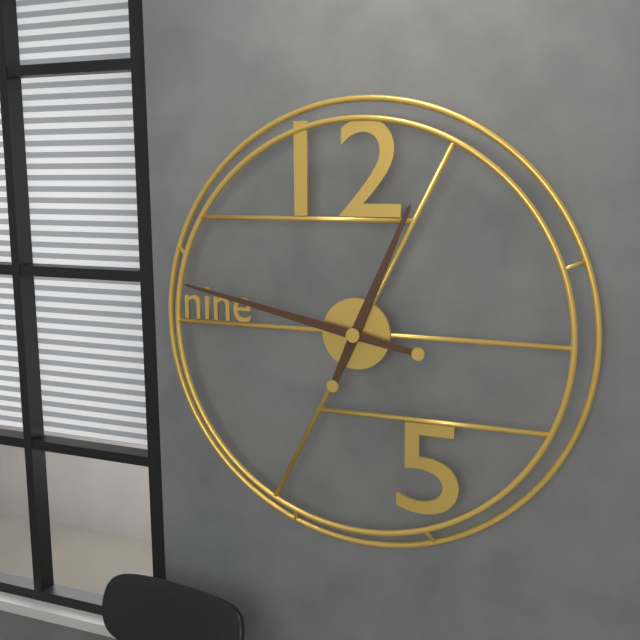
12:47
